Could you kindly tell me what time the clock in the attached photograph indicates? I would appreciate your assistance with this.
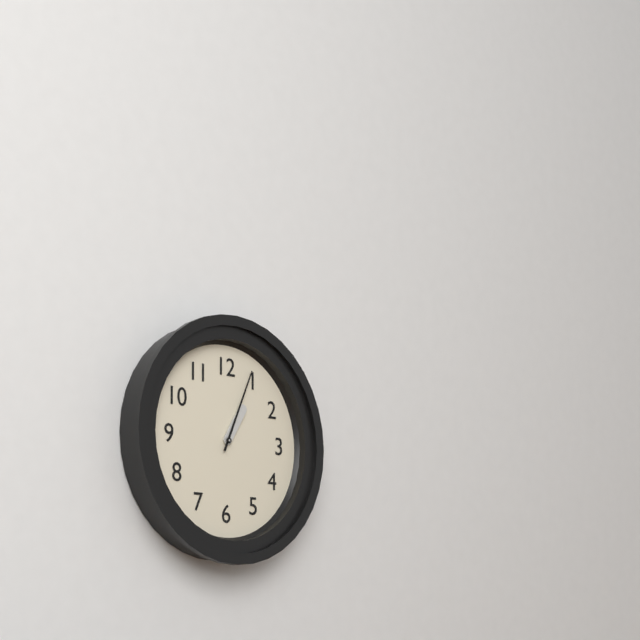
1:04
